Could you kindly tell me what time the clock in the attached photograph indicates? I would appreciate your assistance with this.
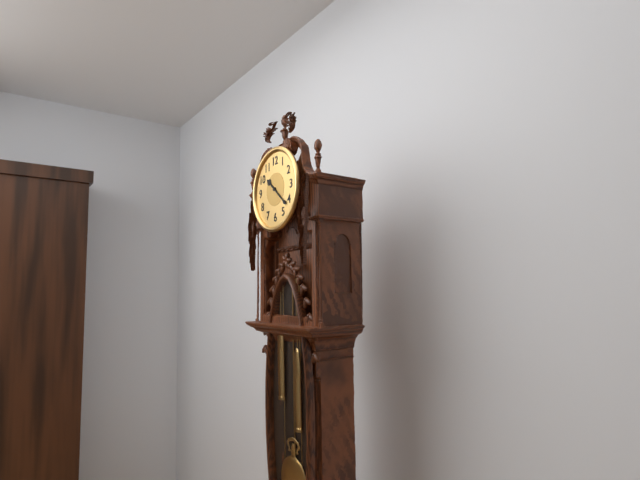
10:22
